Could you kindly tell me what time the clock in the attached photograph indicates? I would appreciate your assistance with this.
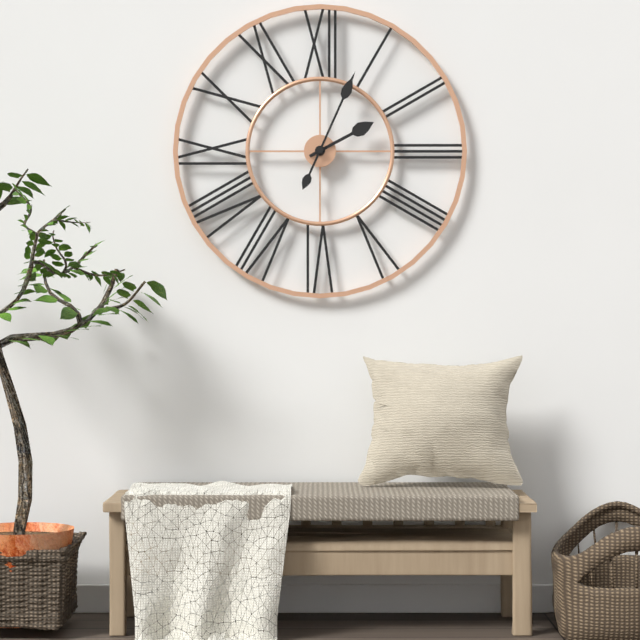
2:04
